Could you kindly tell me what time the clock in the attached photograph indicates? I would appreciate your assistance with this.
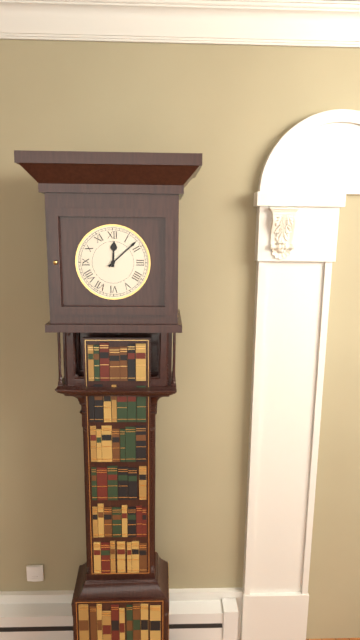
12:08
